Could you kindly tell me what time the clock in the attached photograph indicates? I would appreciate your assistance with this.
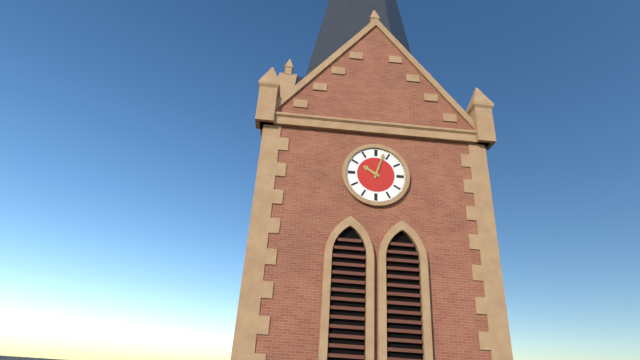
10:03
